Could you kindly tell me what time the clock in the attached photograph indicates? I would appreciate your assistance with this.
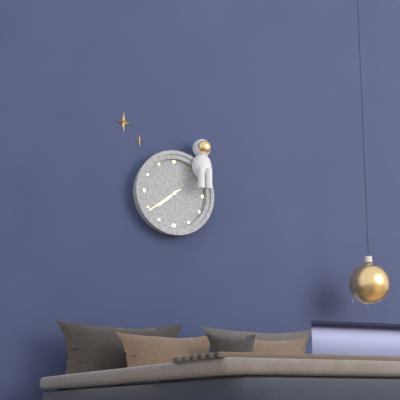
7:39
